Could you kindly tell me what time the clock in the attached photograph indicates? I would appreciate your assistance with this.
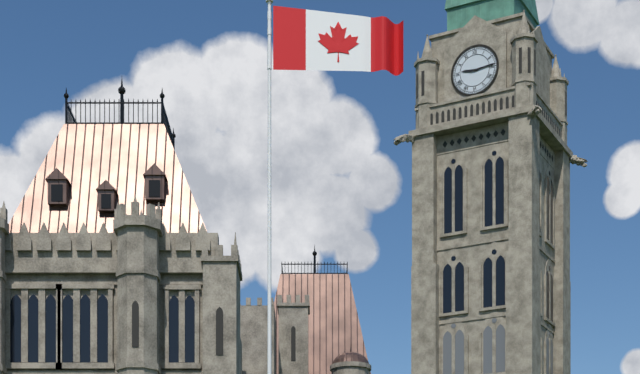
9:14
